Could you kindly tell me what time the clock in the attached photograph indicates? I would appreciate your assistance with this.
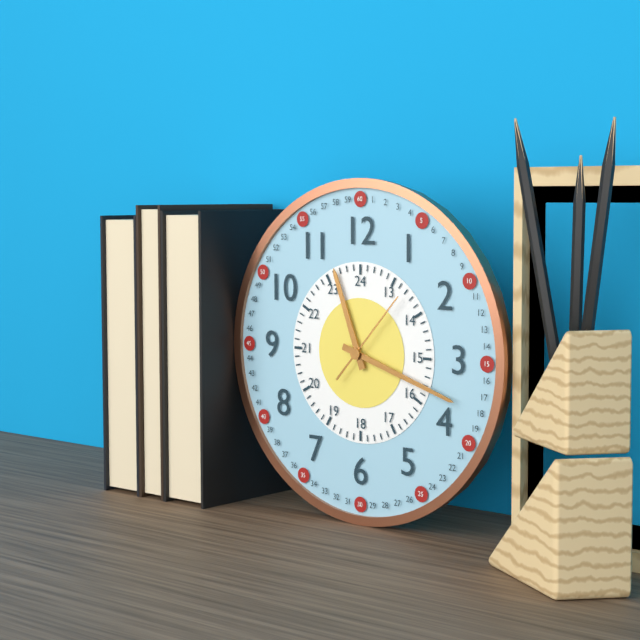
11:18:07
